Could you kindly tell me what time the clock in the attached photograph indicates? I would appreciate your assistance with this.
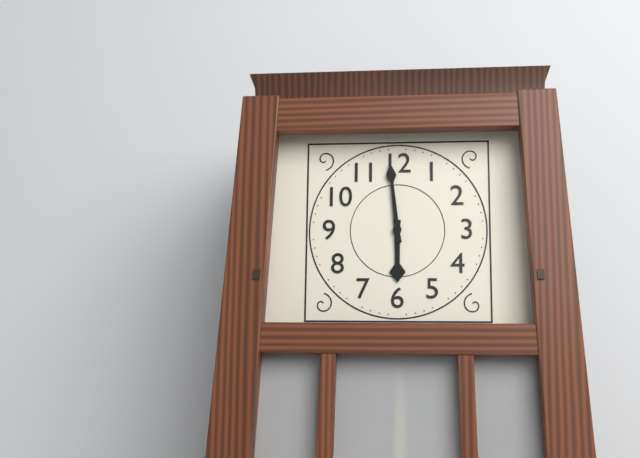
5:59
